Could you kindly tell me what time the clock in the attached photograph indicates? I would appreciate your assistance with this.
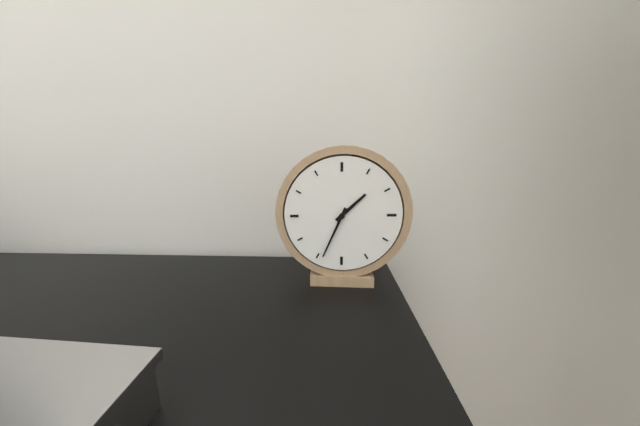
1:34
